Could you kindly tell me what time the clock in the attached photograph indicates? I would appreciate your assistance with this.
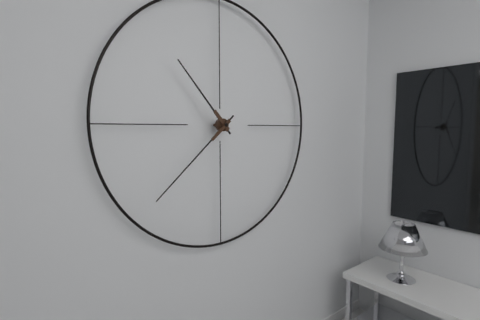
10:38
